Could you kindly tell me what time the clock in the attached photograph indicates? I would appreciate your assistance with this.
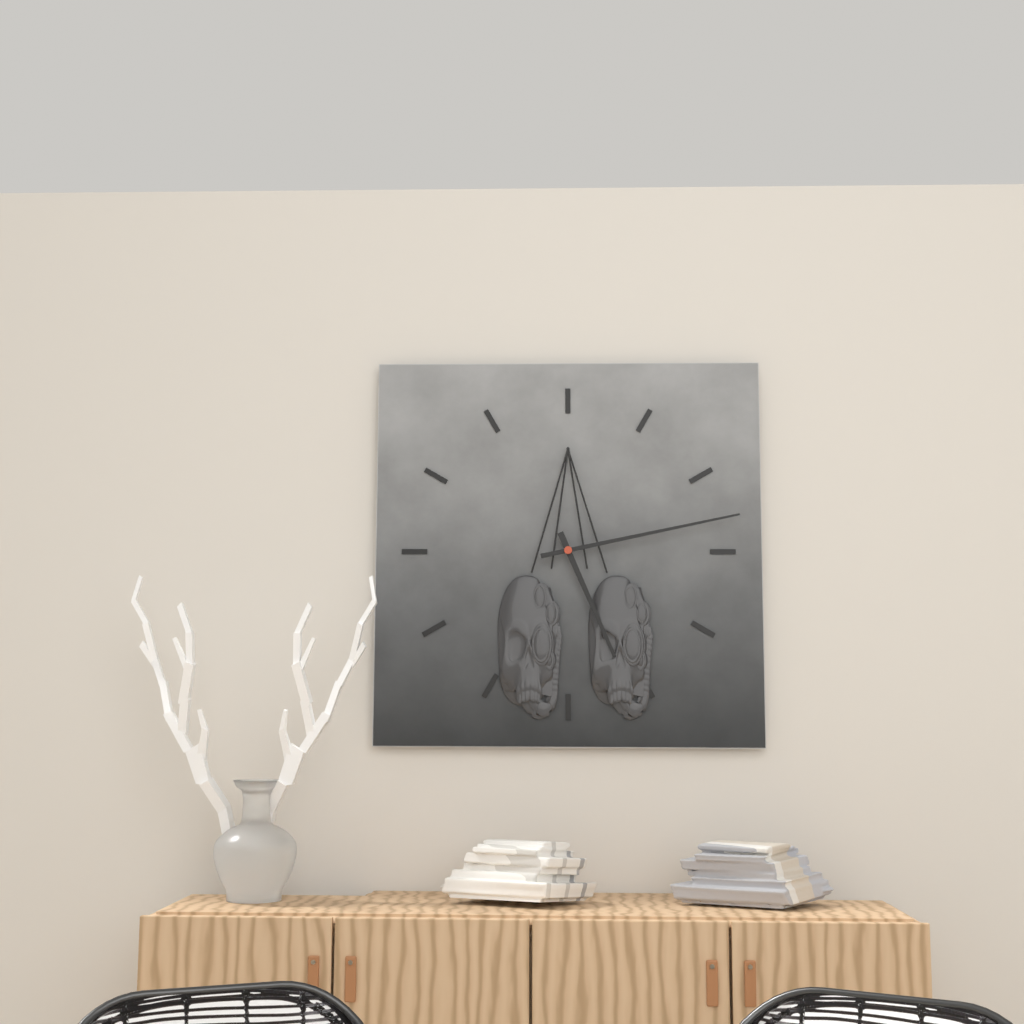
5:13
